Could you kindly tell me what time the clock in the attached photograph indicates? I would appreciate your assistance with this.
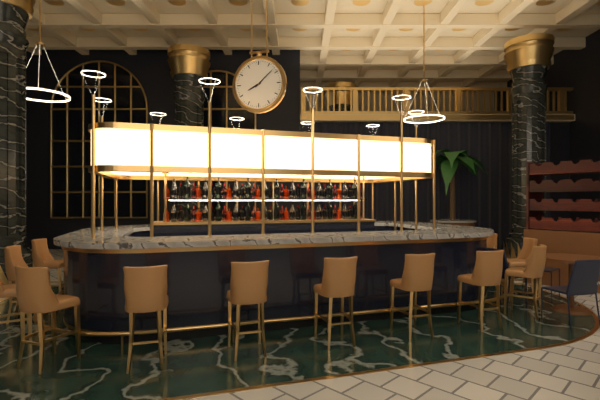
8:08
